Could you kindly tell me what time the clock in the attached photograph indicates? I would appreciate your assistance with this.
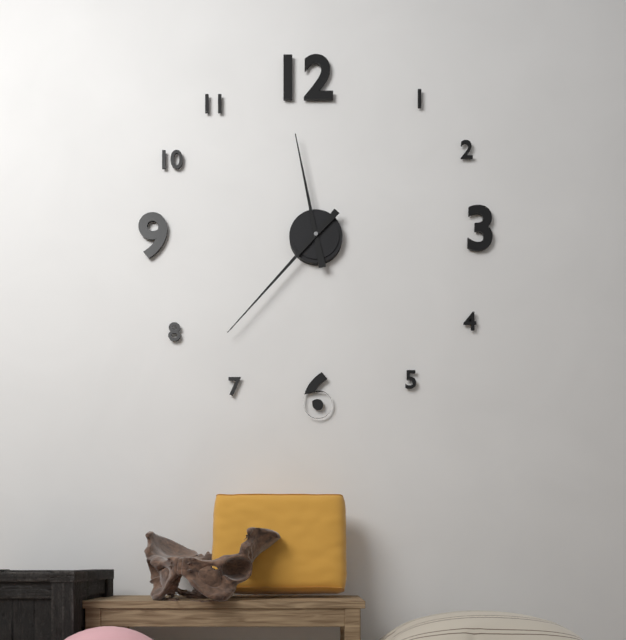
11:37
